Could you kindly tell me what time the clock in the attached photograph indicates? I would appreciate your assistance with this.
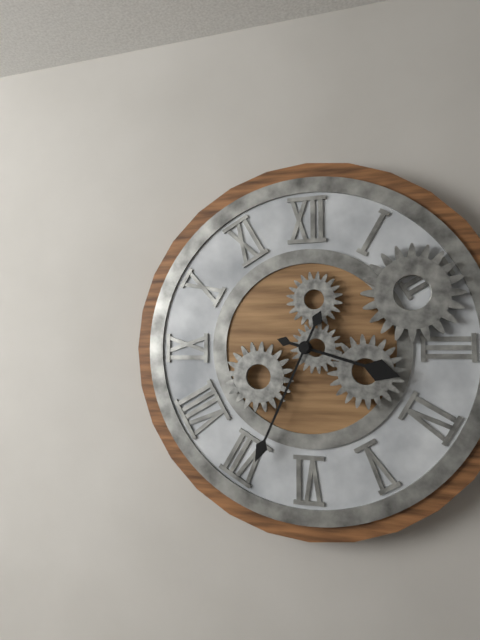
3:34
